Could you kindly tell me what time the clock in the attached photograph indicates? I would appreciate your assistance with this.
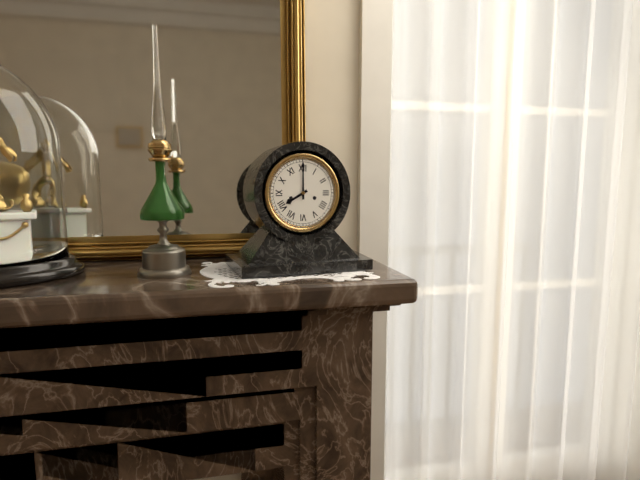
8:00
